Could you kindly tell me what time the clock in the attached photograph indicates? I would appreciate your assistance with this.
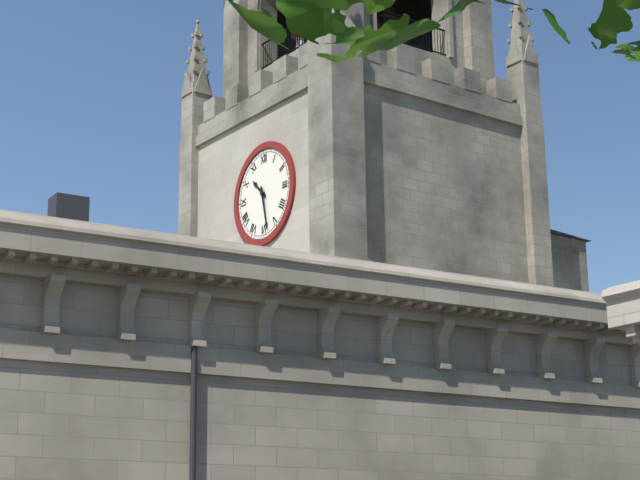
10:28
